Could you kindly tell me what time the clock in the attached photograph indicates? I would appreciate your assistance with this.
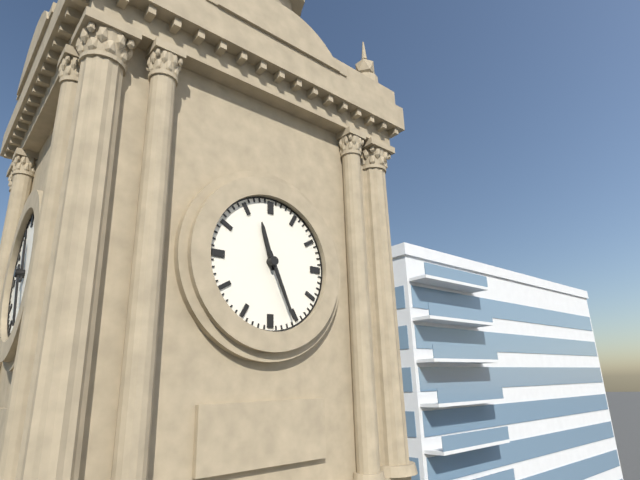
11:26
